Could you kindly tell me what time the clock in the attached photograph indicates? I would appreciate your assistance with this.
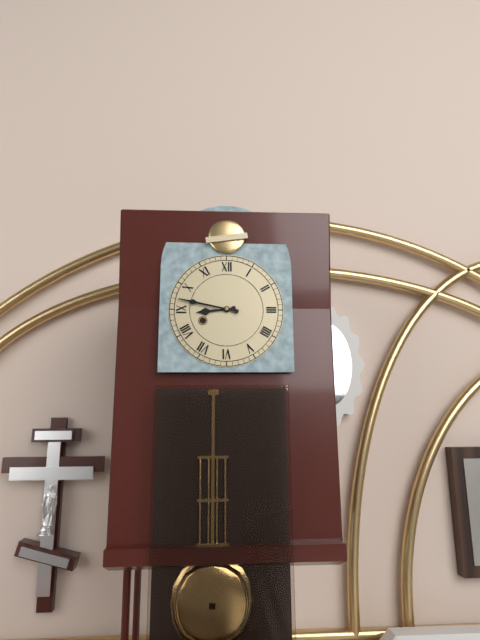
8:47
